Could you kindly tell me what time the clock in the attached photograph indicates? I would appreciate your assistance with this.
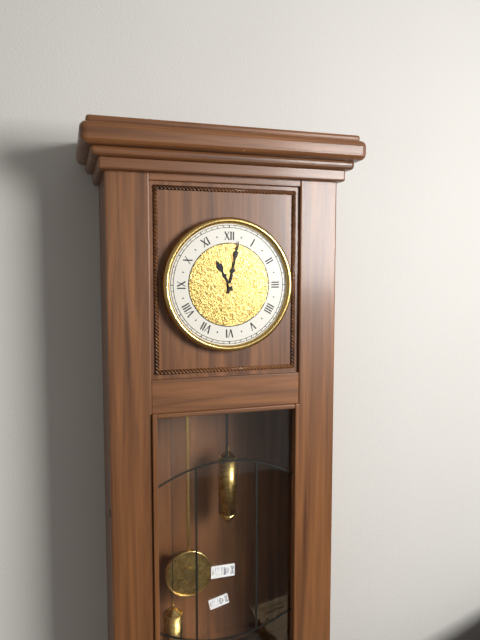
11:02
